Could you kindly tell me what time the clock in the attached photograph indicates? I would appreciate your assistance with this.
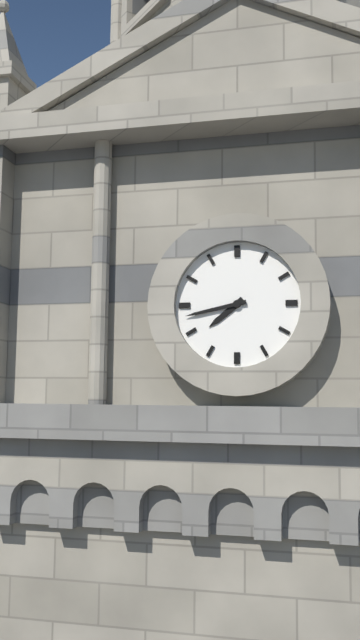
7:43
